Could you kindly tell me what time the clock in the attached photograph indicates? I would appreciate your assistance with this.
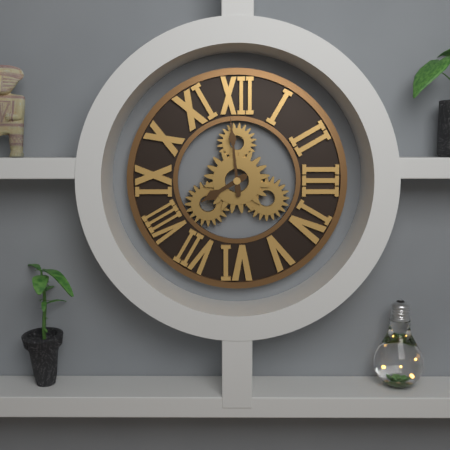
7:59
